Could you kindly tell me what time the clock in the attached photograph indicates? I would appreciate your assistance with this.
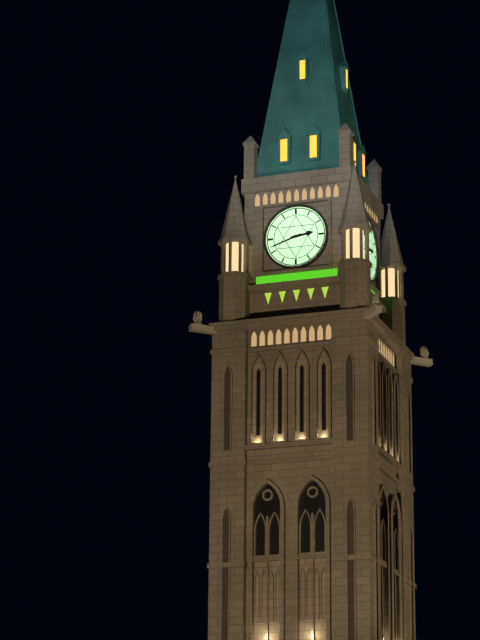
2:42
